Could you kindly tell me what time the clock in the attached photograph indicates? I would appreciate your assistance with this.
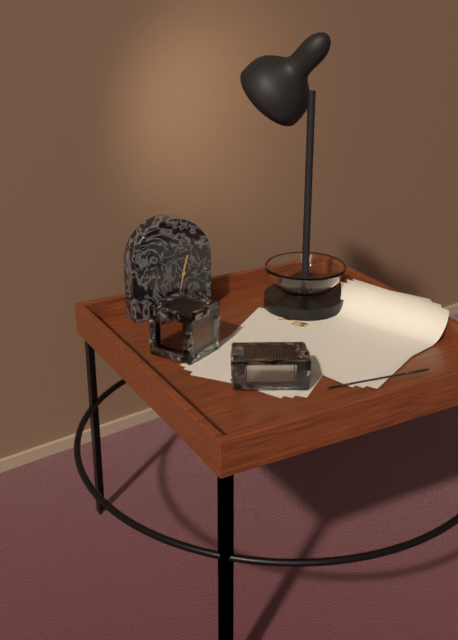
12:32
